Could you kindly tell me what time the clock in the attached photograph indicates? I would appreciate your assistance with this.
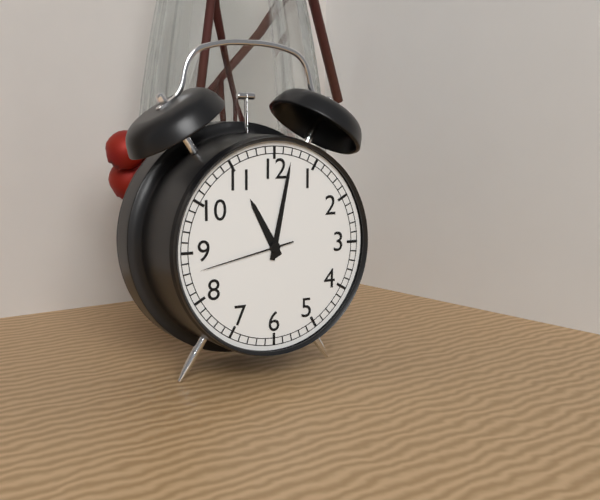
11:02:43
